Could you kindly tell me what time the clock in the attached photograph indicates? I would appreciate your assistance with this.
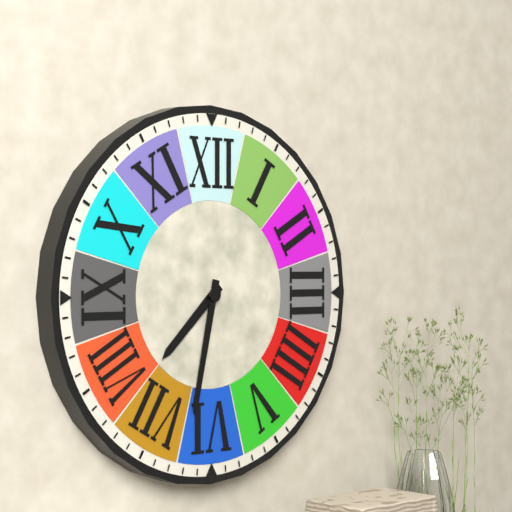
7:32
